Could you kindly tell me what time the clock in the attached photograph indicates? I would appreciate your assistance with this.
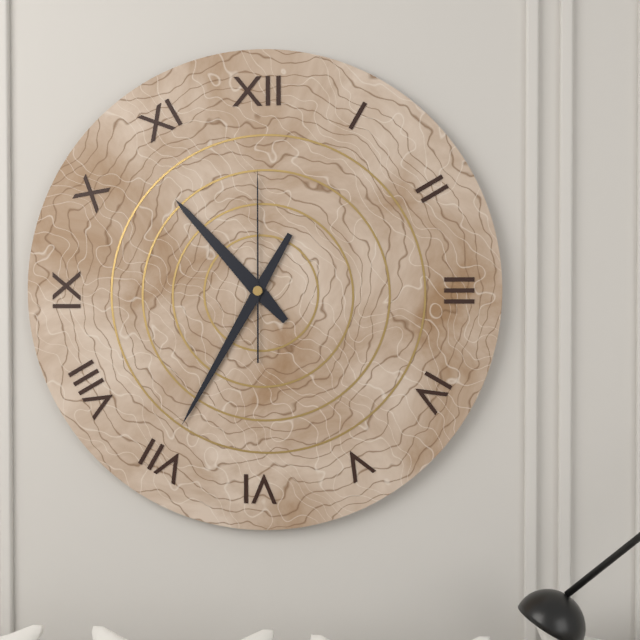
10:35:00
